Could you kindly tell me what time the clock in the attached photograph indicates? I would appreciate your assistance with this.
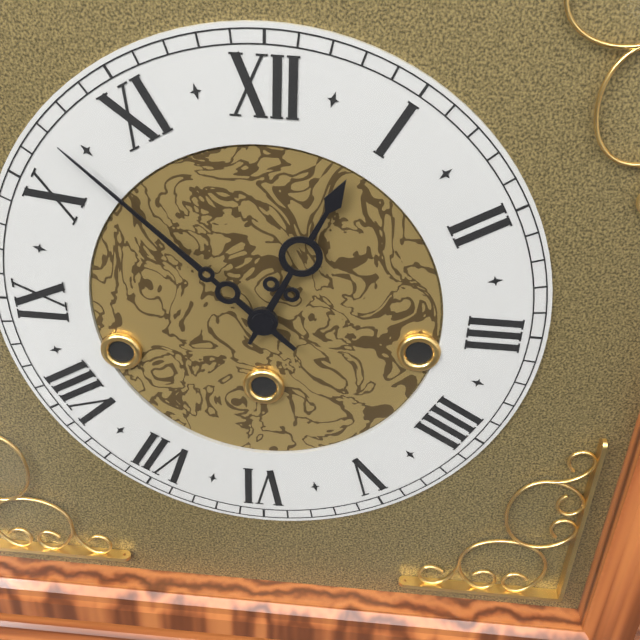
12:52
